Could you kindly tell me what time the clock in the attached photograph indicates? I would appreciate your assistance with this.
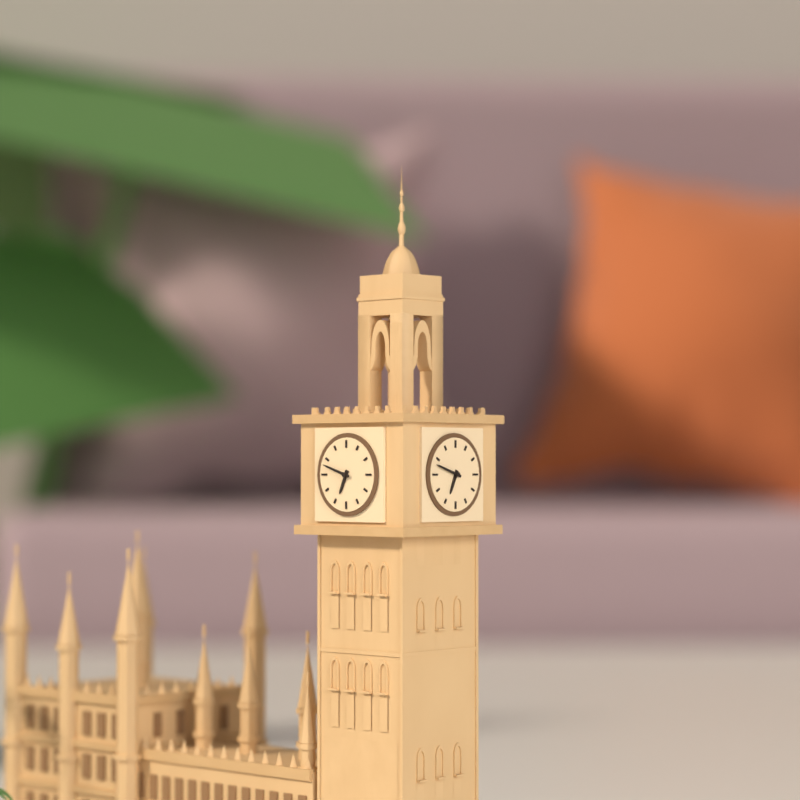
6:48
